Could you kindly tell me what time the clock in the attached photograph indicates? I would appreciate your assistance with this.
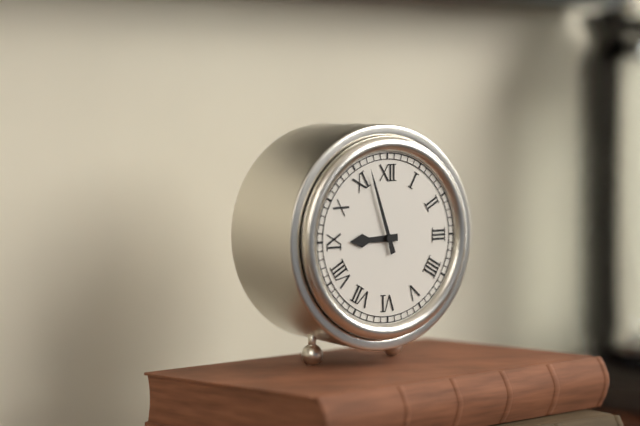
8:57
